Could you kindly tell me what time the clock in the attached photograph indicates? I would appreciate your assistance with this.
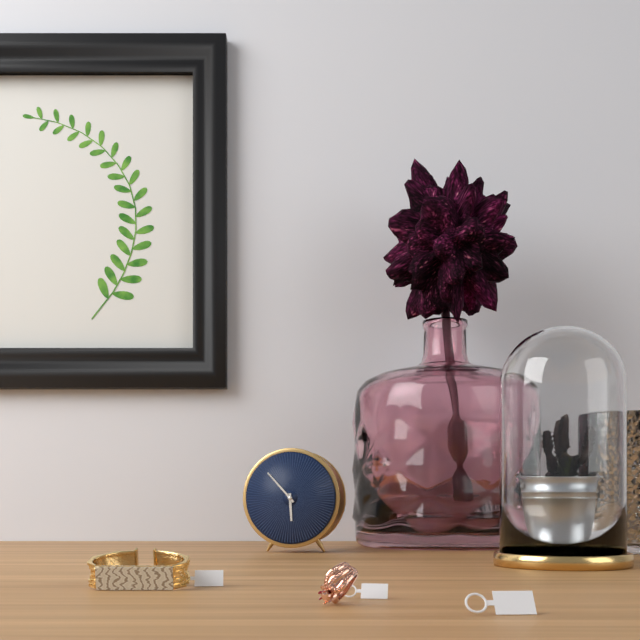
5:53
